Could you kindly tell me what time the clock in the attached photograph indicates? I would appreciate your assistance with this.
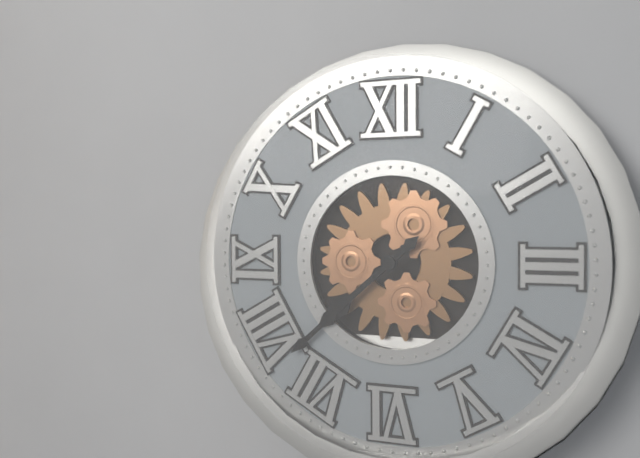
7:38
